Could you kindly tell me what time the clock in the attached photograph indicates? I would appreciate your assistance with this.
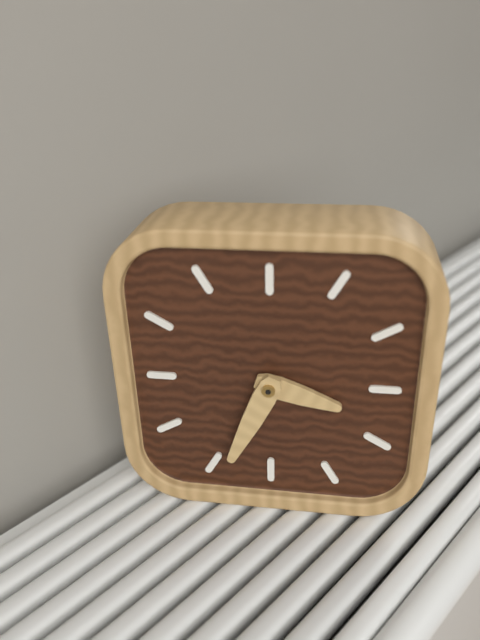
3:34
